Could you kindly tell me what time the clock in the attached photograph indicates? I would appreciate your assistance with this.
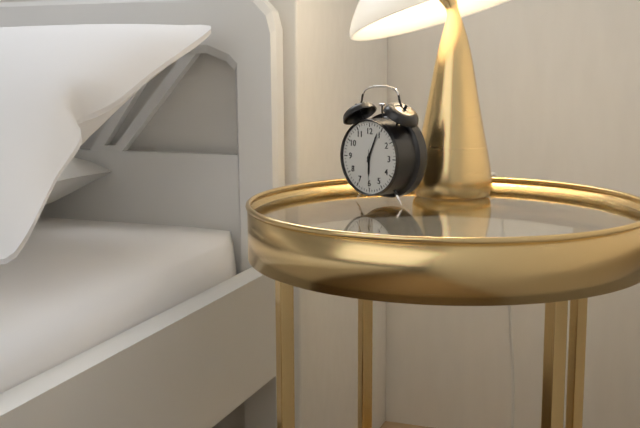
6:04
